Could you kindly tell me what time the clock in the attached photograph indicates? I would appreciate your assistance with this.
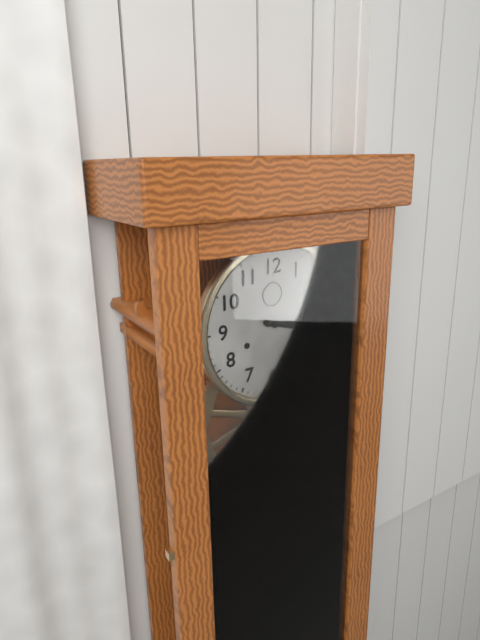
3:18
